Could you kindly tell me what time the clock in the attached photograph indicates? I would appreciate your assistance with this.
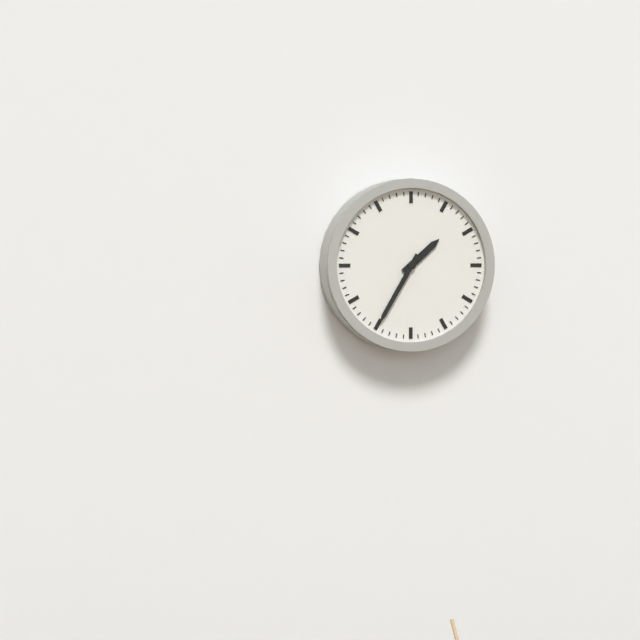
1:35
